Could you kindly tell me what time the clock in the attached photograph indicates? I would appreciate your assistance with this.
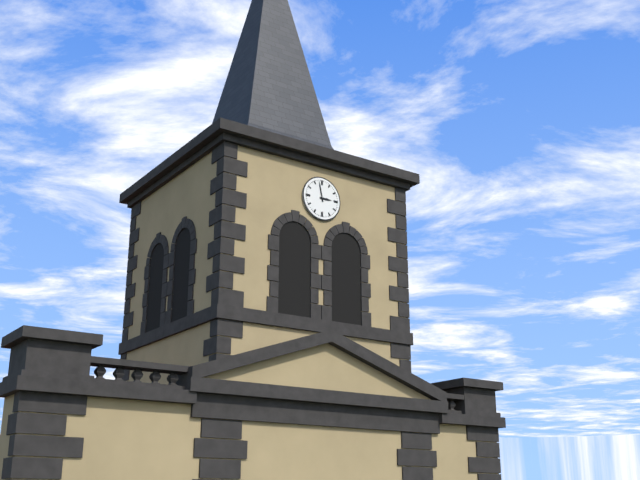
2:58
